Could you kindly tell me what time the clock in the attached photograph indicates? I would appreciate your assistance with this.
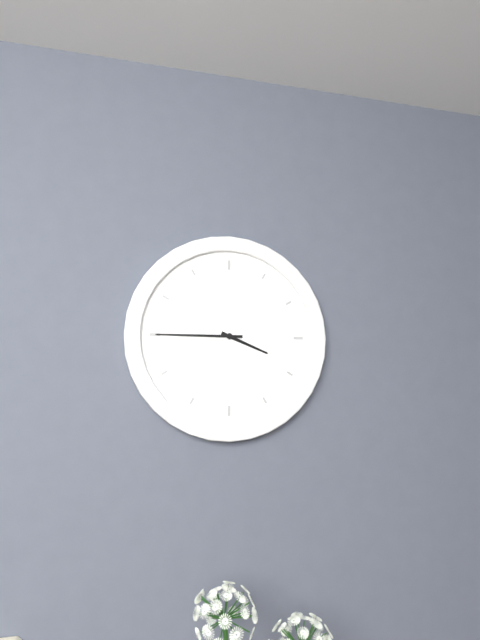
3:45
